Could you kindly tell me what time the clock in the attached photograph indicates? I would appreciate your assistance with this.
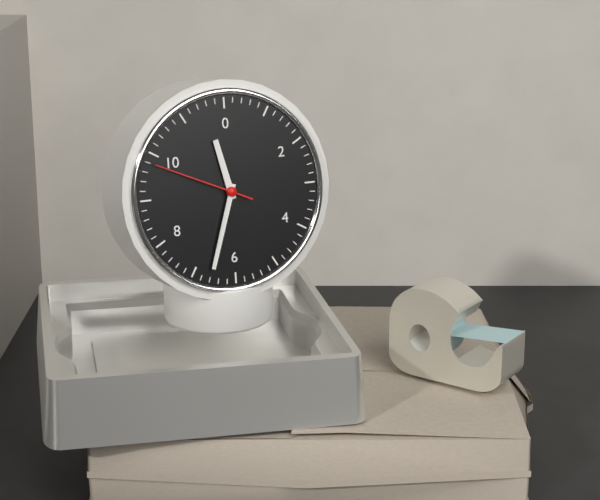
11:33:49
